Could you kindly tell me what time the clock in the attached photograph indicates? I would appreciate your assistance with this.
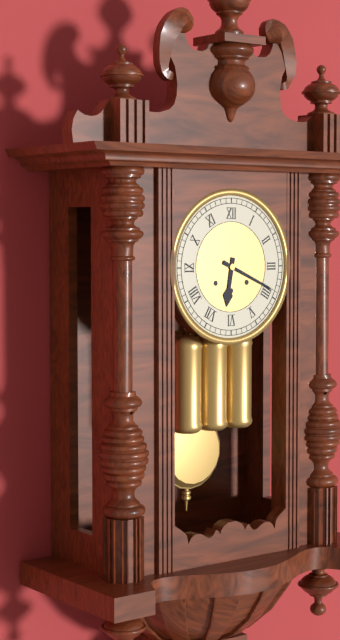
6:19
